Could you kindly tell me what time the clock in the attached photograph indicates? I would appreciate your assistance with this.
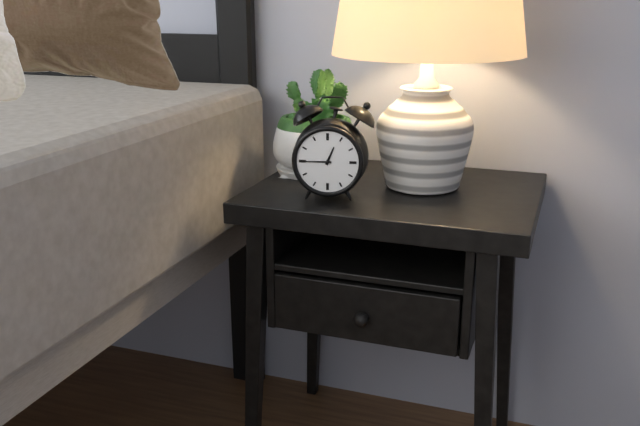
12:45
